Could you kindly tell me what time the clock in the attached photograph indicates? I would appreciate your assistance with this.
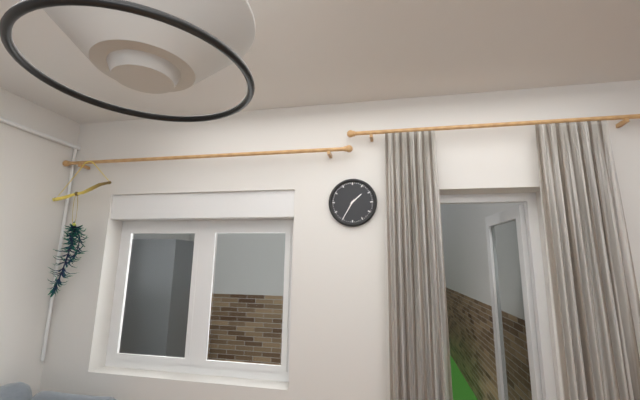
1:35
